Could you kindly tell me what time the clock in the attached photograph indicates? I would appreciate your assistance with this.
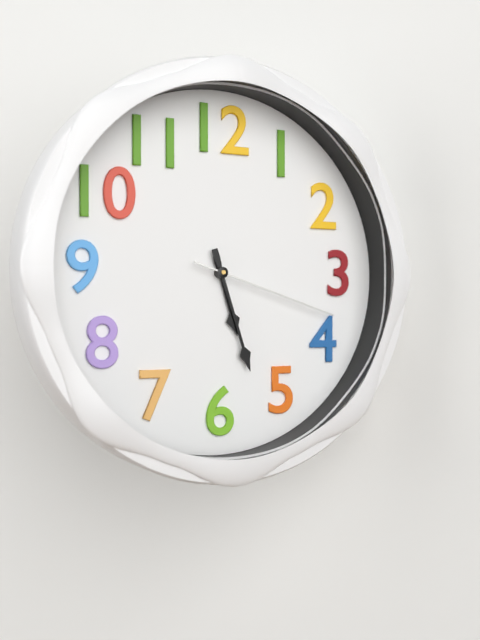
5:27:18
